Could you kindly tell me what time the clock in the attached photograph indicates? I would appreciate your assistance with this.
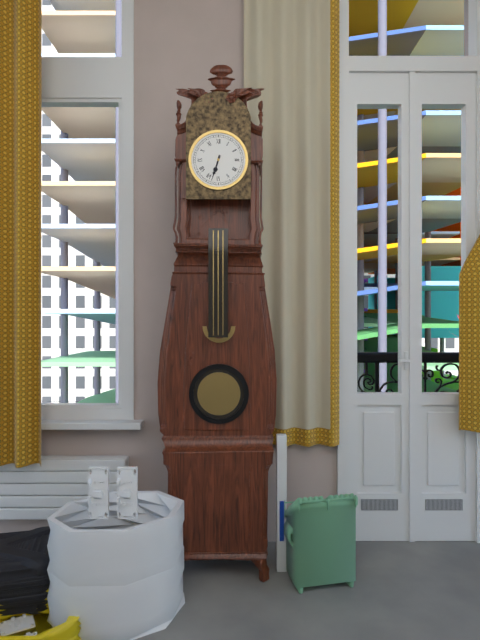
6:33
